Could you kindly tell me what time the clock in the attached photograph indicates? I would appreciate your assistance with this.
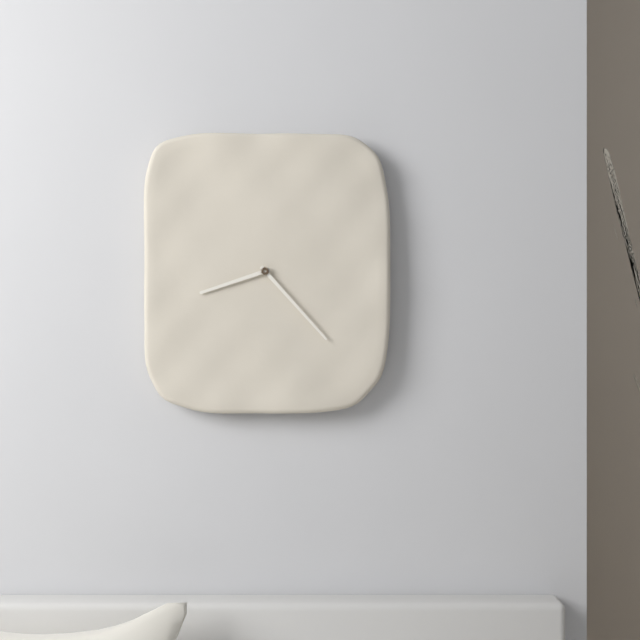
8:23
